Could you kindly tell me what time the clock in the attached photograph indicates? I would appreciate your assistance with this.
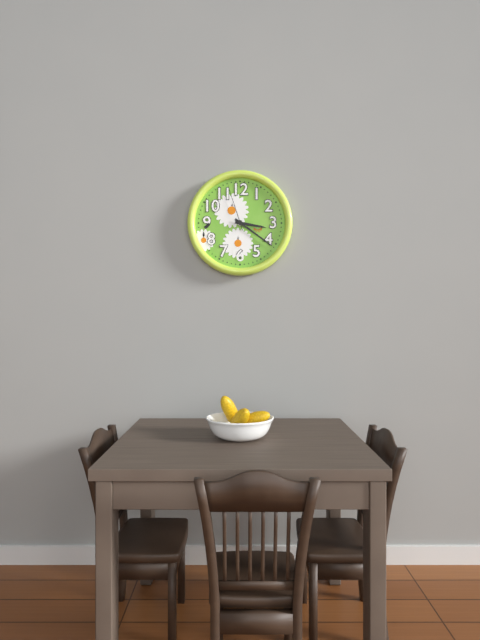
3:21:57
